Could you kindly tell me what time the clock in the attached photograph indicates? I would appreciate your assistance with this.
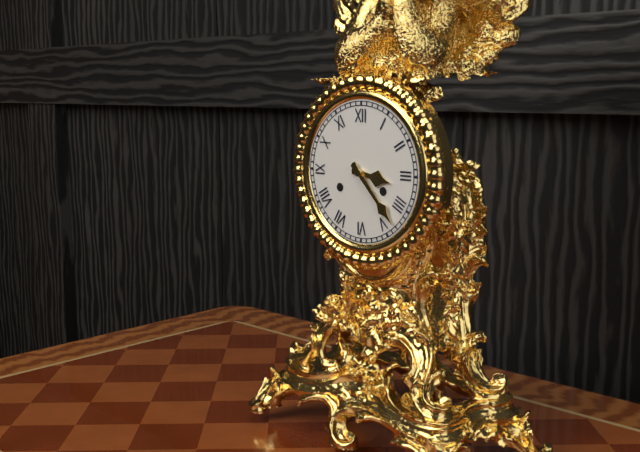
3:23
